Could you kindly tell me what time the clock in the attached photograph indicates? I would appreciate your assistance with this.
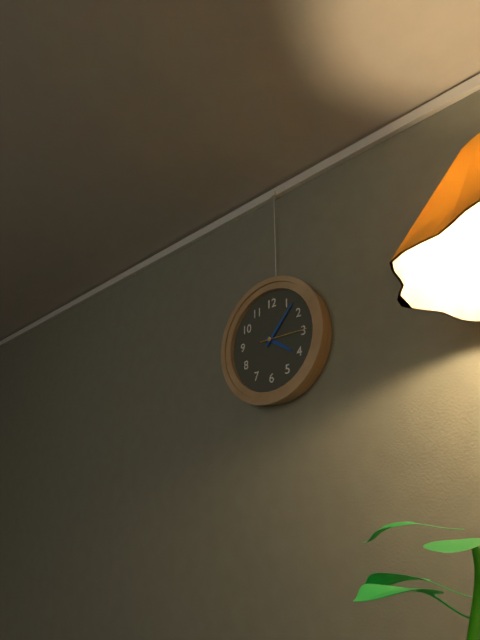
4:07
